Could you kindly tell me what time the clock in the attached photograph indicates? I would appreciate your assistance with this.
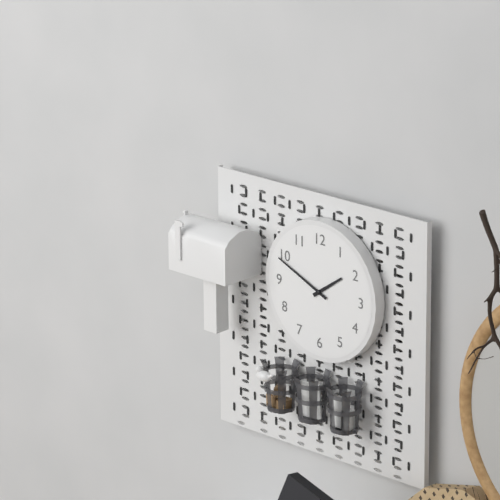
1:49
